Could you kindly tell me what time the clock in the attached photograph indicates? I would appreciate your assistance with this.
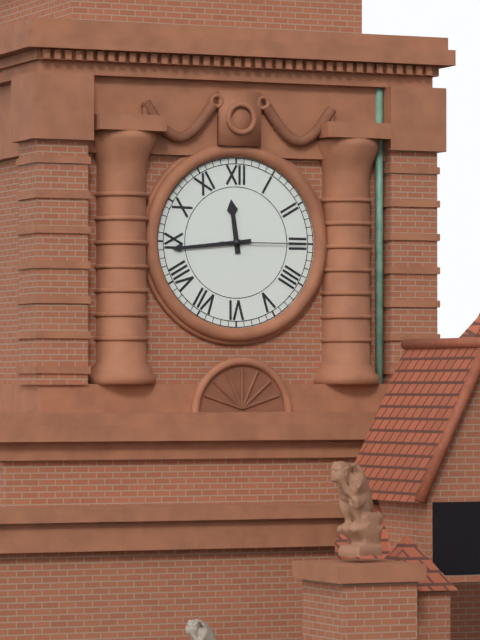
11:44:15
